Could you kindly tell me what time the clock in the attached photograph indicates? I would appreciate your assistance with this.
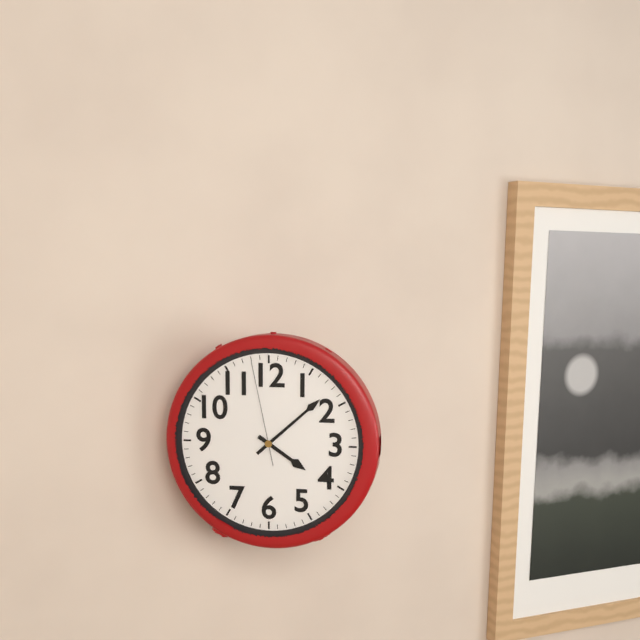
4:08:58
